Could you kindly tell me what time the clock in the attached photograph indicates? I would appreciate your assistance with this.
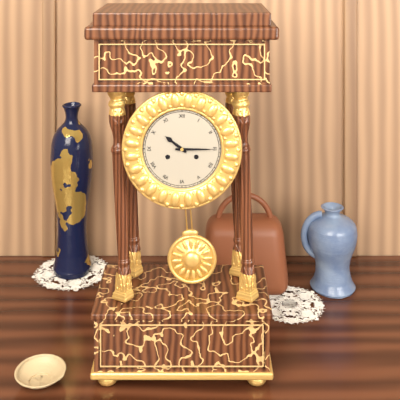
10:15
